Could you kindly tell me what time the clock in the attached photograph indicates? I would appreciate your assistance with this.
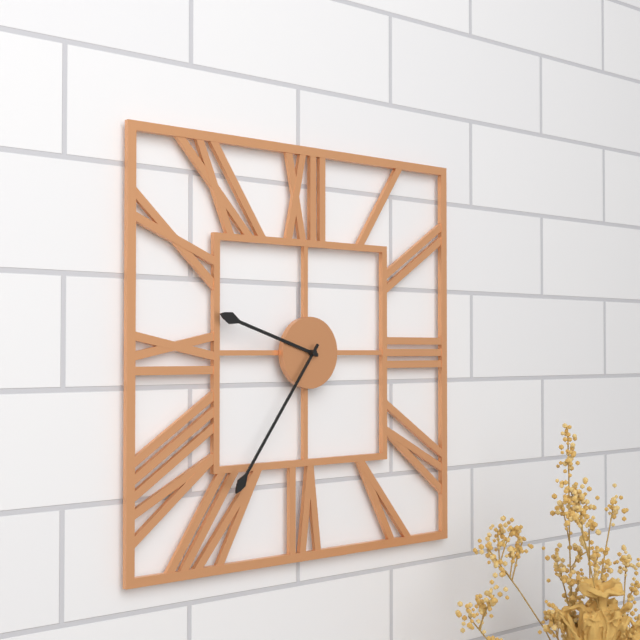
9:36
